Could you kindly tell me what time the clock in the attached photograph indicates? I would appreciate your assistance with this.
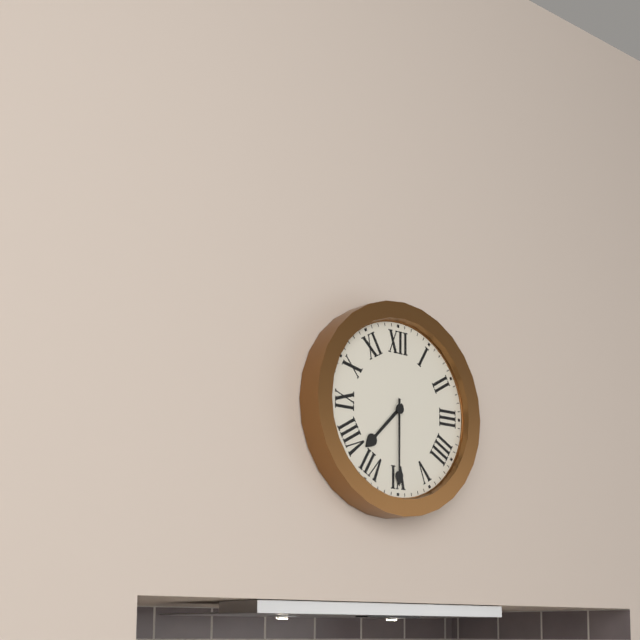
7:30
